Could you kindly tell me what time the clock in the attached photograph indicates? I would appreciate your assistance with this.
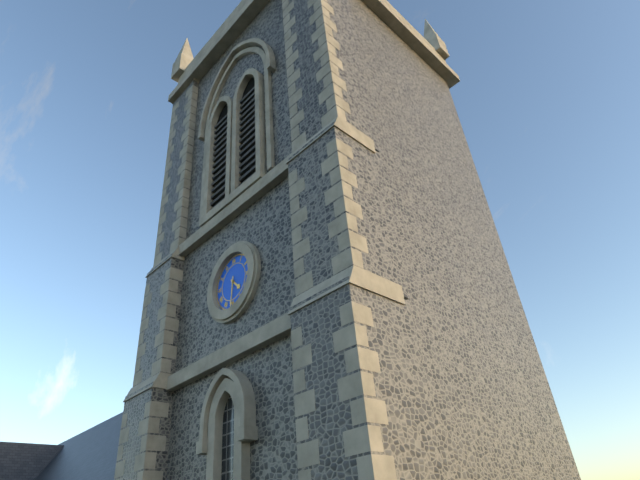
4:31
